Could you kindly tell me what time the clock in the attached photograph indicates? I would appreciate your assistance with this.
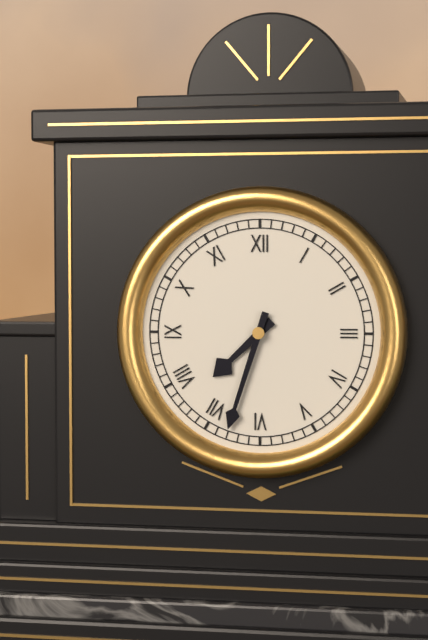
7:33
